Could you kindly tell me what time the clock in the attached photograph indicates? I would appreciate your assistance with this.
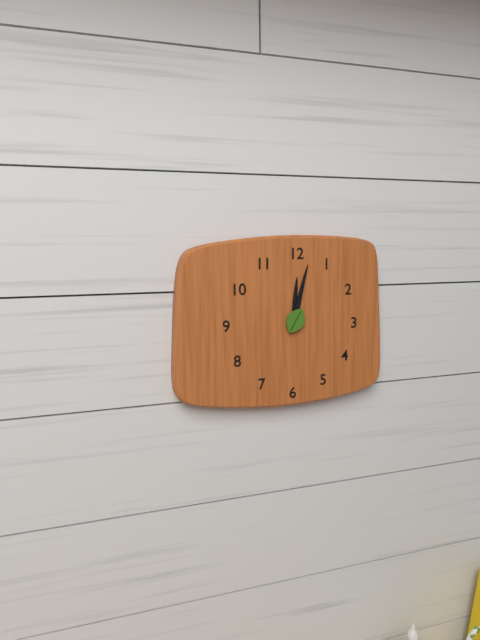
12:02
